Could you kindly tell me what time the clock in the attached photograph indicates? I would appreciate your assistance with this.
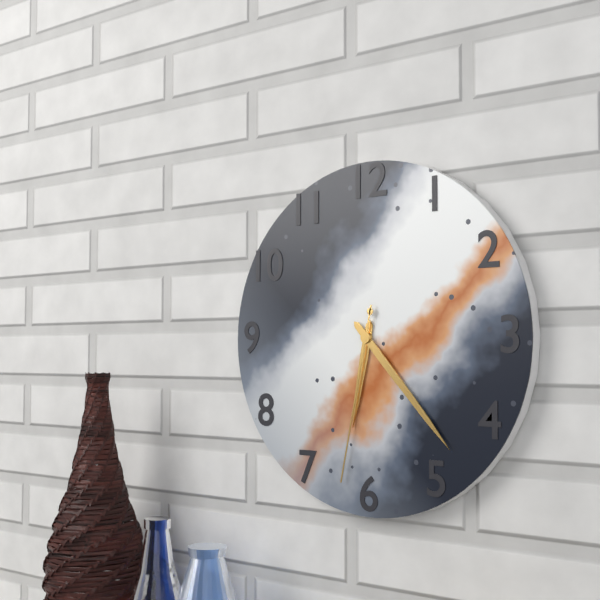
6:23:32
